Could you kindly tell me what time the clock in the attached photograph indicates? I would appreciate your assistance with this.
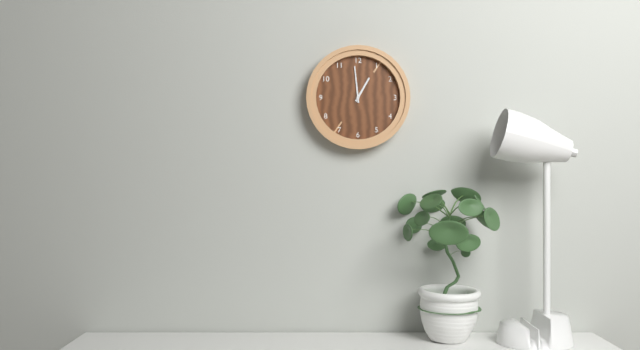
12:59
